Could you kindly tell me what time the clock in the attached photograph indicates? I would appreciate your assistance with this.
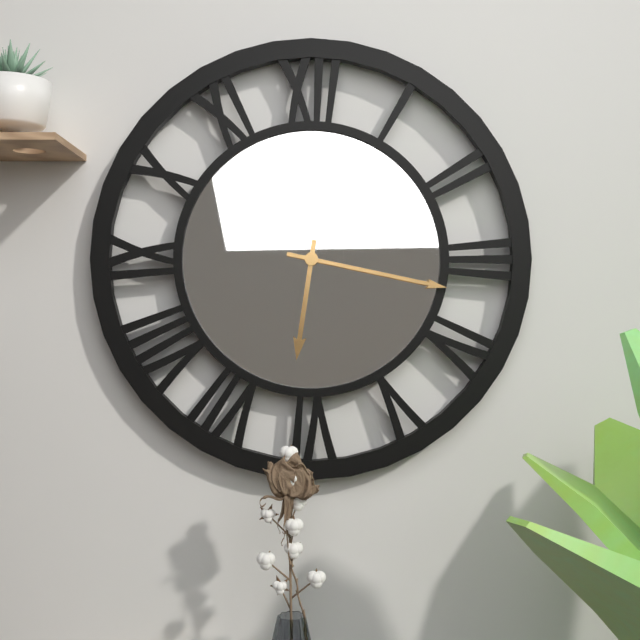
6:17
